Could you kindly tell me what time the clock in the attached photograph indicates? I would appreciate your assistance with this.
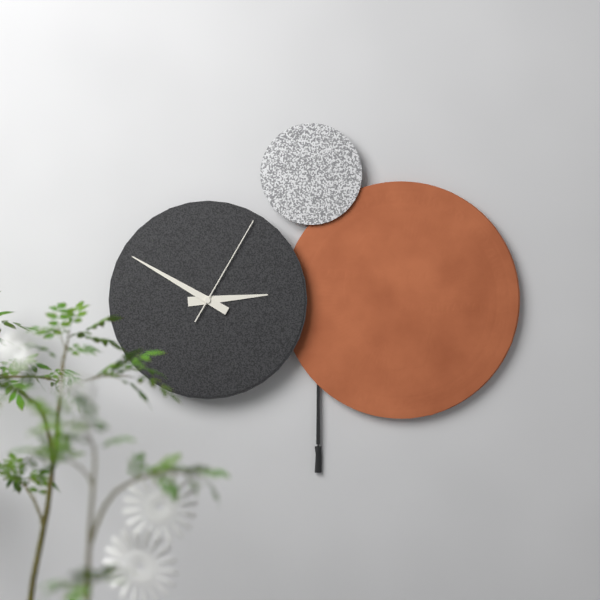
2:50:05
